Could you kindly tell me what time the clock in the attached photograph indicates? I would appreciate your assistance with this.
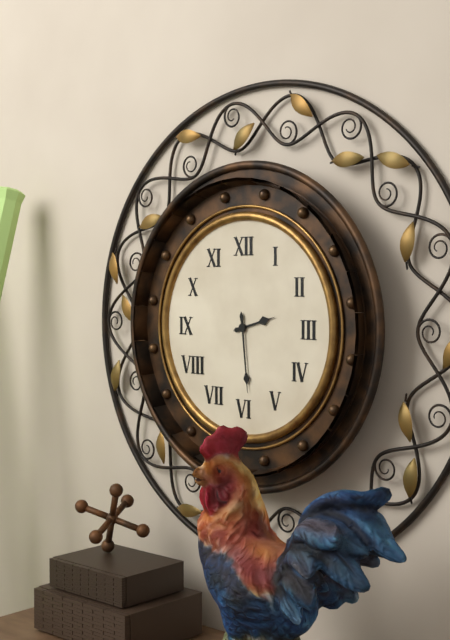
2:29
